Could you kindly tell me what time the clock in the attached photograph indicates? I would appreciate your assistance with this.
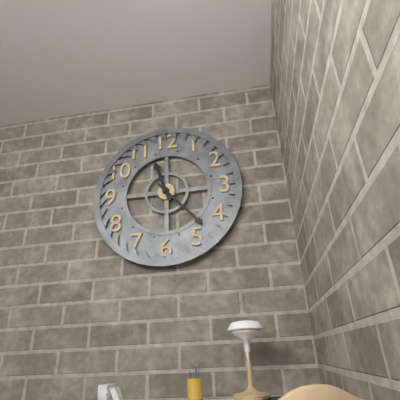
11:23
